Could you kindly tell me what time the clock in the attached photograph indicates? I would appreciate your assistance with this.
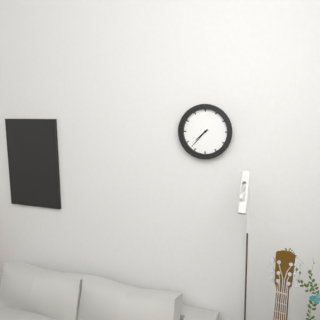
7:37
